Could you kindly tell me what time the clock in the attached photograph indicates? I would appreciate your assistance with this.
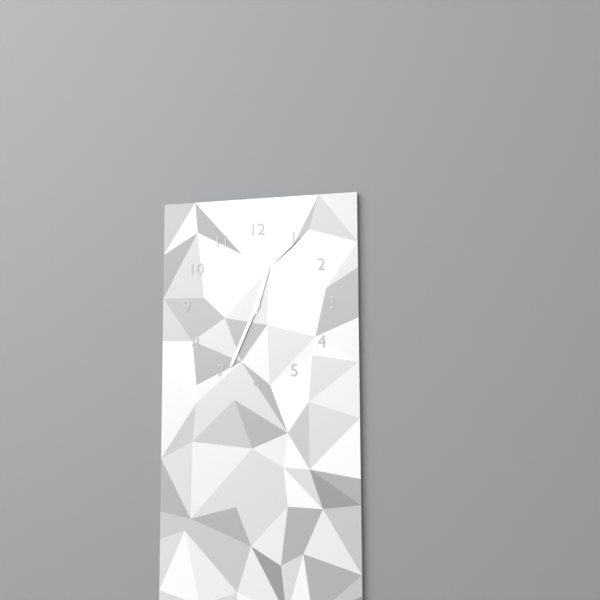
12:34
